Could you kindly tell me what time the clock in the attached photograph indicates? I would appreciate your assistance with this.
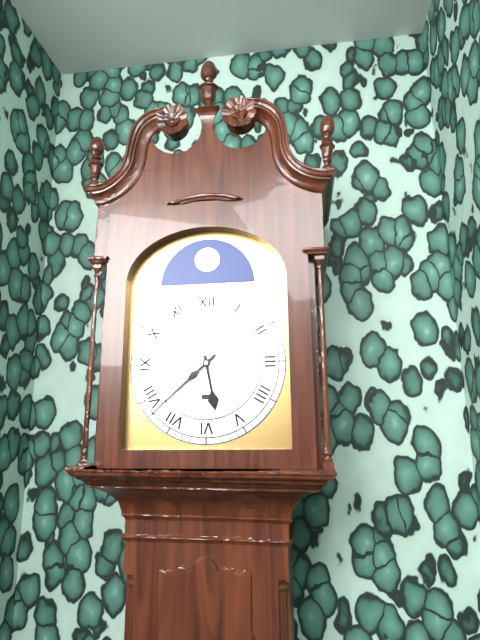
5:38
